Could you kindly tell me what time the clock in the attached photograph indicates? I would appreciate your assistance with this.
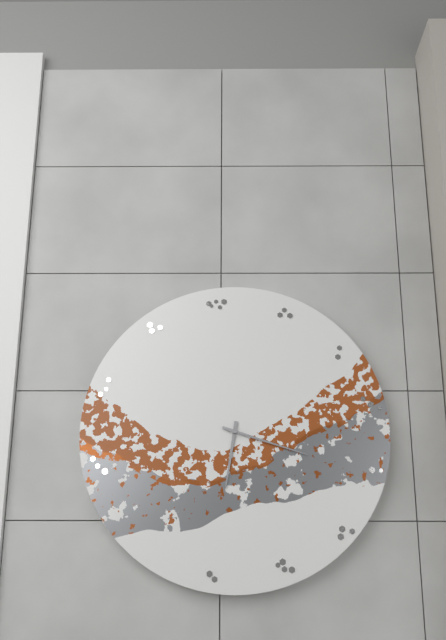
6:18
